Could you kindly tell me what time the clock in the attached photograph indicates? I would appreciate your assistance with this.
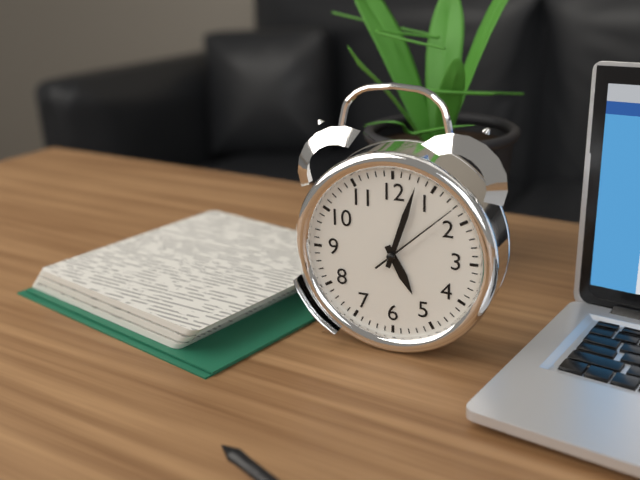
5:03:08
